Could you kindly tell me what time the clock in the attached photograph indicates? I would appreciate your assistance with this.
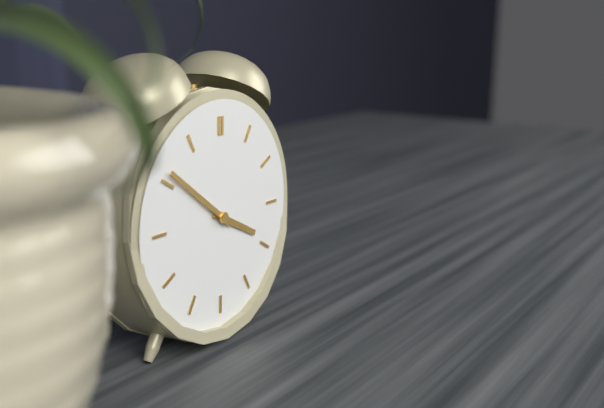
3:51
